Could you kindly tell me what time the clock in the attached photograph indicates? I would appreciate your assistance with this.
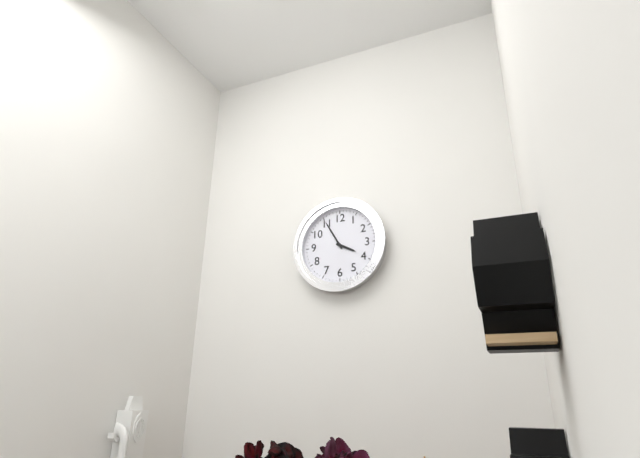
3:55
